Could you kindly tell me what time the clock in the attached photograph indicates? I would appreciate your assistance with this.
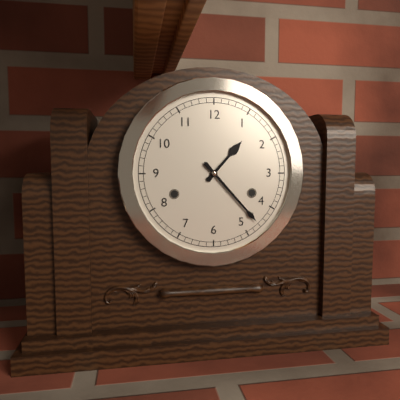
1:23
